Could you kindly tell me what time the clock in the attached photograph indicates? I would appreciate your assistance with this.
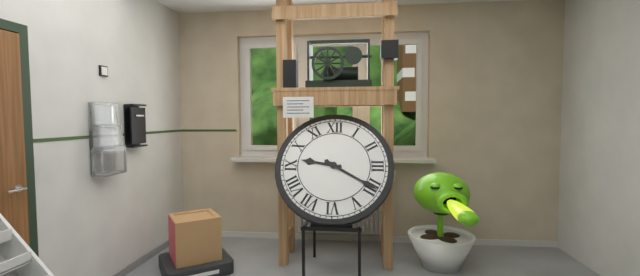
9:20
